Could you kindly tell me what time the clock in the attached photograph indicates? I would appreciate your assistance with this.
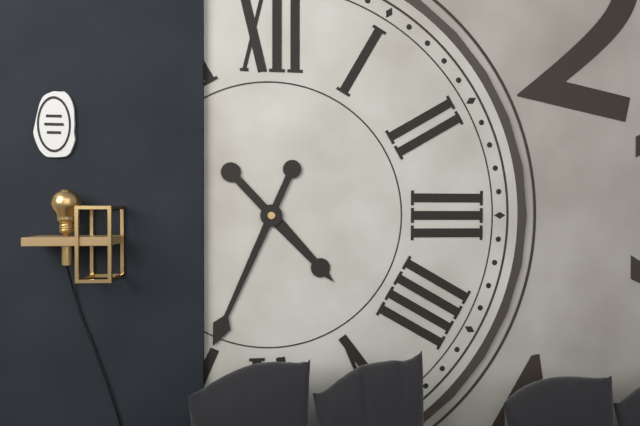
4:34
